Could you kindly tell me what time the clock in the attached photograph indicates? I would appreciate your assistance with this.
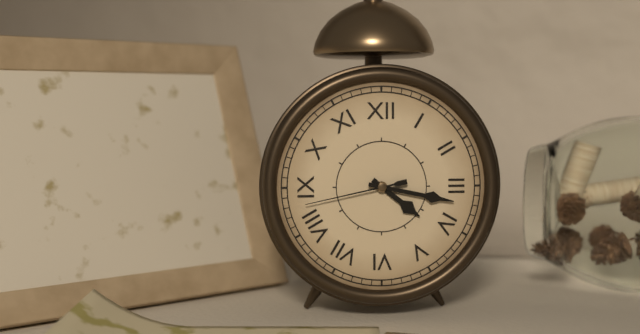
4:17:43
